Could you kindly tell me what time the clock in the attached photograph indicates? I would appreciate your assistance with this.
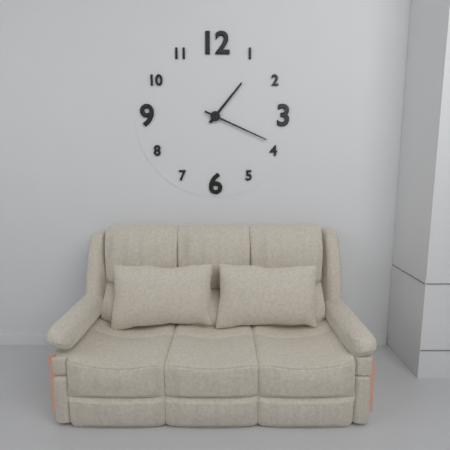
1:19
